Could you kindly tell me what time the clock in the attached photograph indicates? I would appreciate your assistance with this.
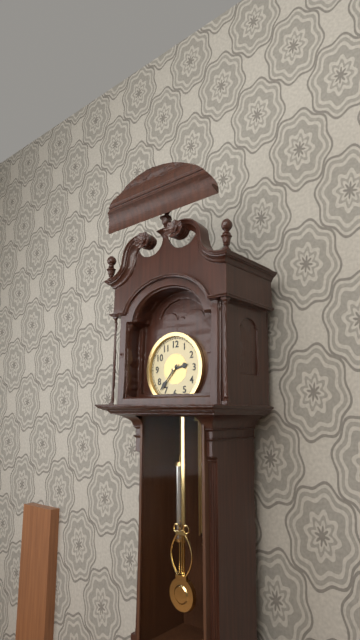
2:37
